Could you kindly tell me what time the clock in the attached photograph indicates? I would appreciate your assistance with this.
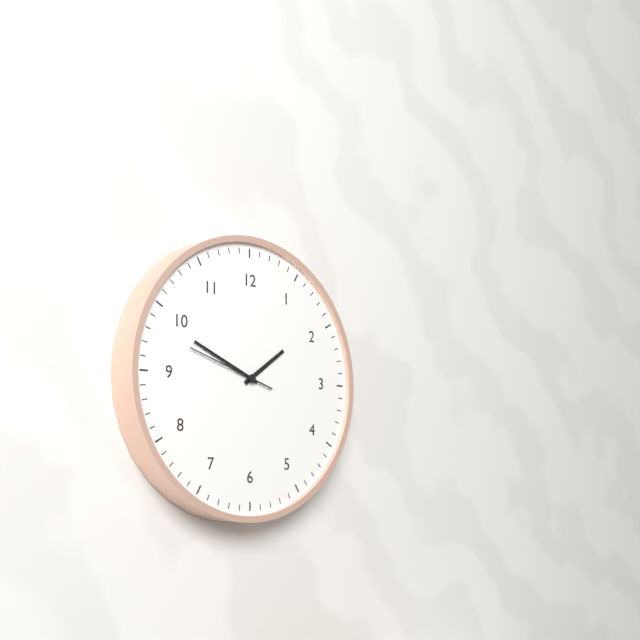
1:49:48
